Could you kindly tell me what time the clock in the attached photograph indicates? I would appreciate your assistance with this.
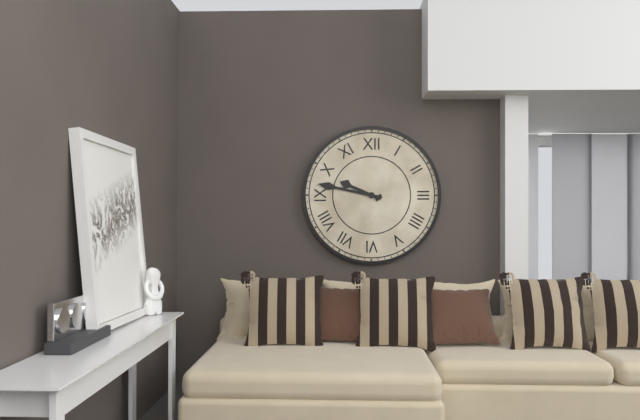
9:47
